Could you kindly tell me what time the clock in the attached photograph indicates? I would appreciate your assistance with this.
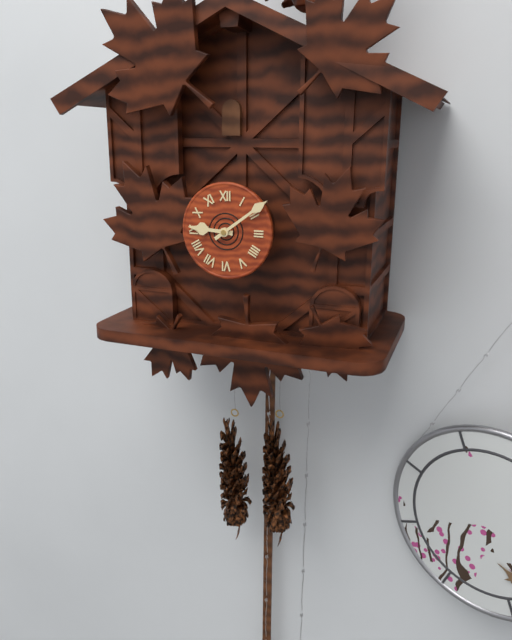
9:09
